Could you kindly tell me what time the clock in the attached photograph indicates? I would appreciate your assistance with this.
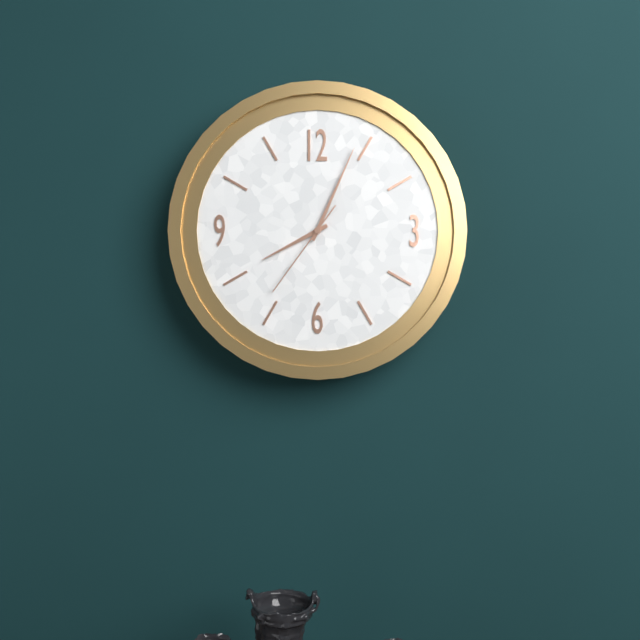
8:04:36
